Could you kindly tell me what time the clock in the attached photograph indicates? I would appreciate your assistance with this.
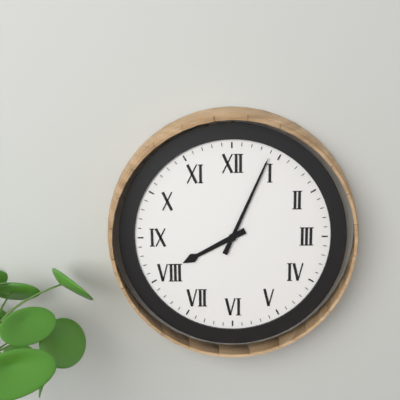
8:04
